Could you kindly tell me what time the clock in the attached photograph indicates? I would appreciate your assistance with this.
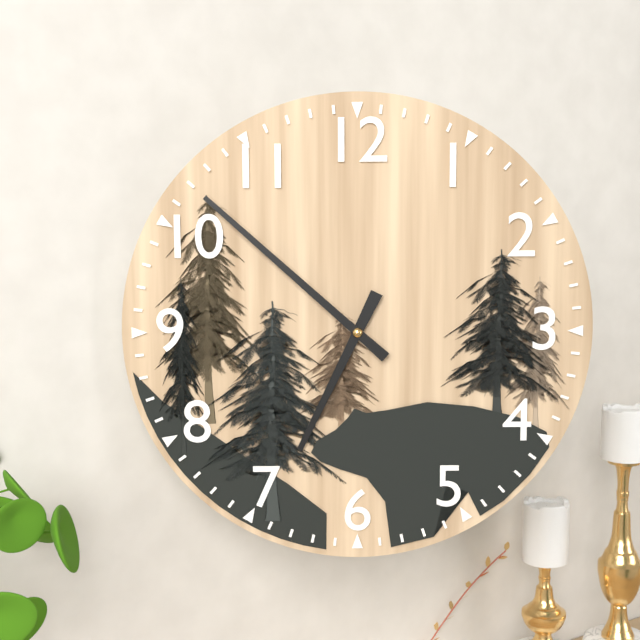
6:52
